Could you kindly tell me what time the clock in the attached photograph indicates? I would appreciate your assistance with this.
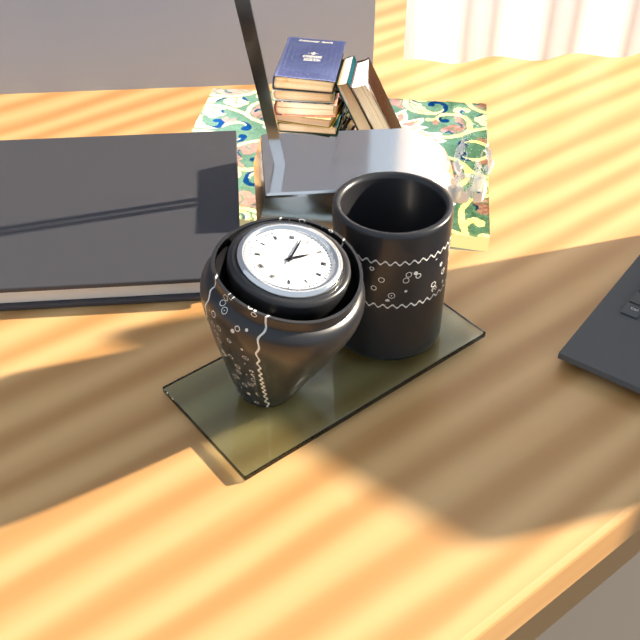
2:03
